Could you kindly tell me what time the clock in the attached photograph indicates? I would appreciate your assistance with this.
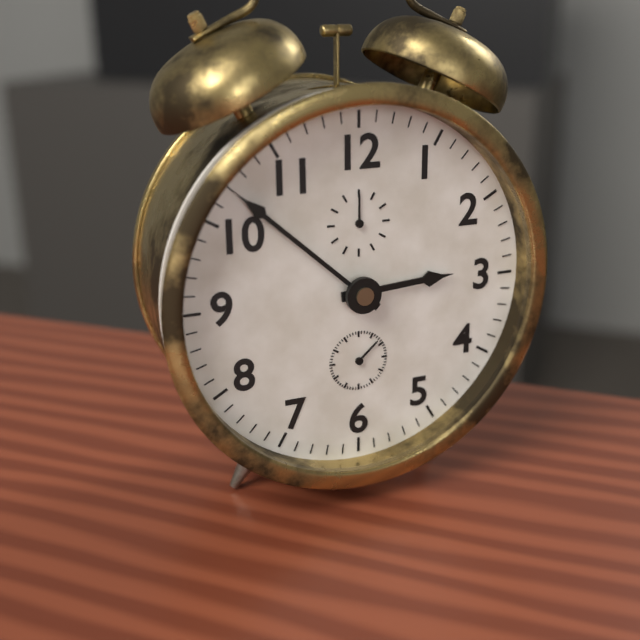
2:52
